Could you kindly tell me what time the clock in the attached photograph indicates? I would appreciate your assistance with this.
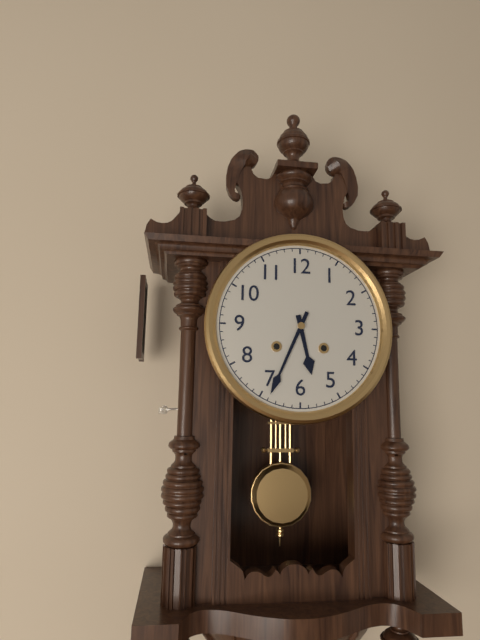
5:34
